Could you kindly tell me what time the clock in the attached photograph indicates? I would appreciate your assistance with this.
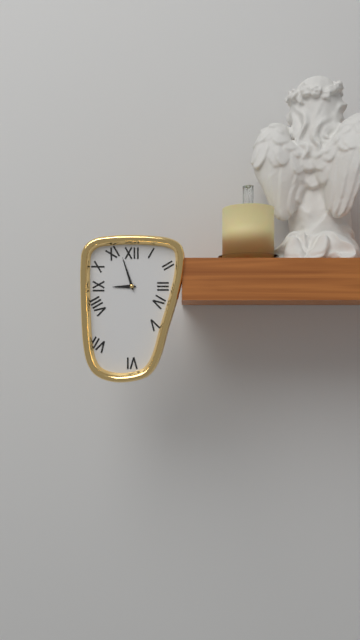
8:57
